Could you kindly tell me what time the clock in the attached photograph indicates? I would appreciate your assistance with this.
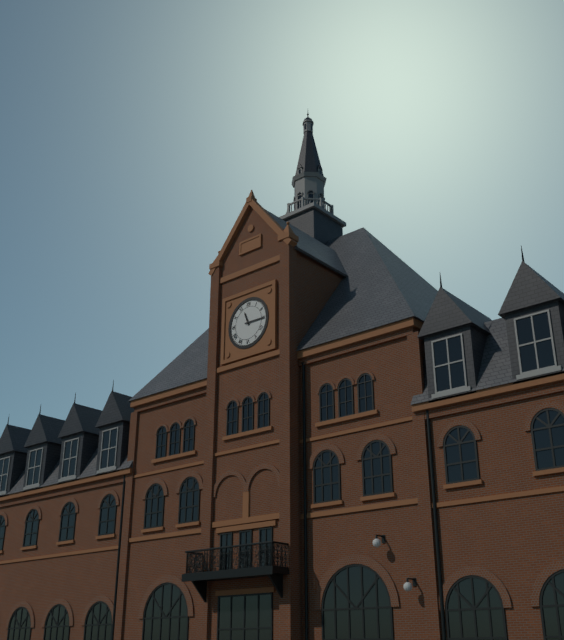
11:15
